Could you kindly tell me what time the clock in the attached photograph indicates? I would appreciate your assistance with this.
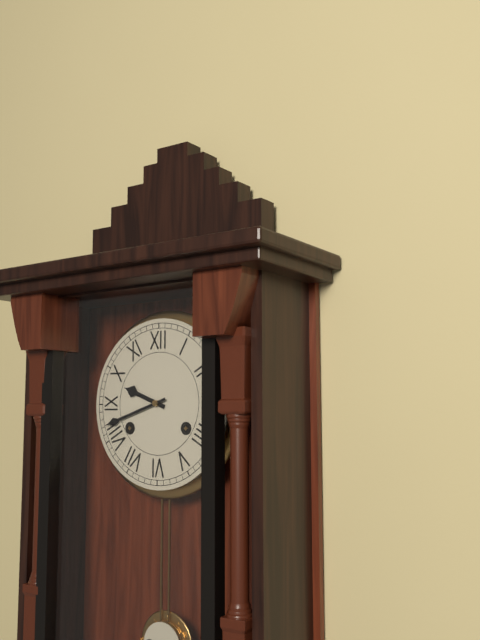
9:42
